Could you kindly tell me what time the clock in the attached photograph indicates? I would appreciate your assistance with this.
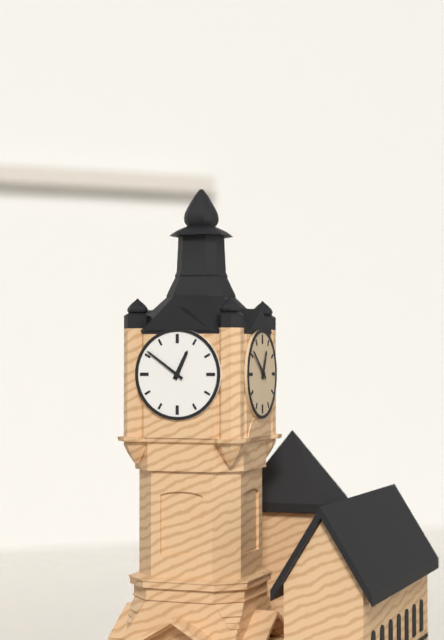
12:51
